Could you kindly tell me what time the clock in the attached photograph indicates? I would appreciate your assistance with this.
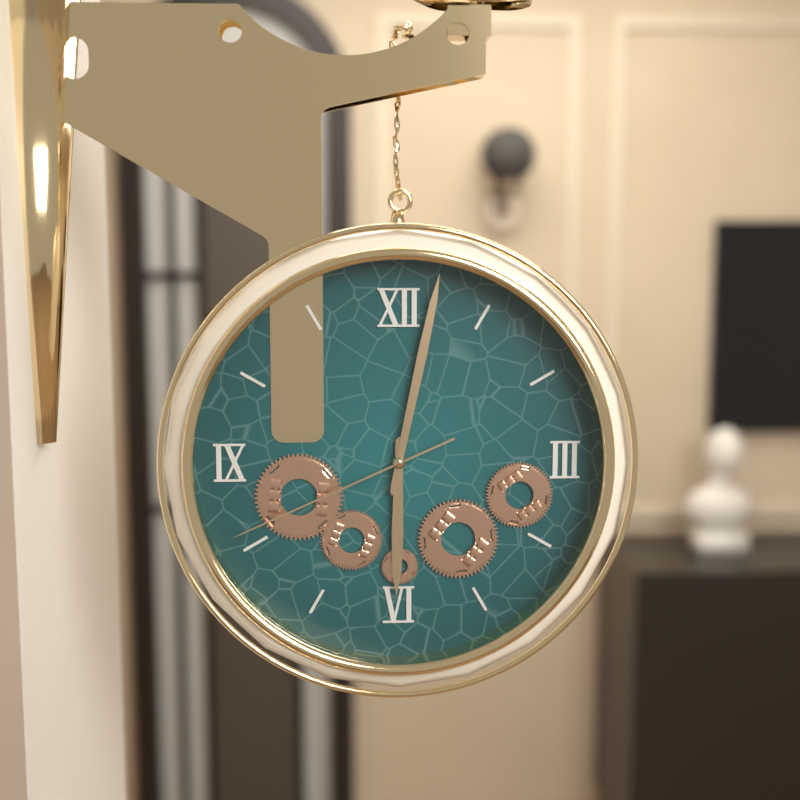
6:02:41
